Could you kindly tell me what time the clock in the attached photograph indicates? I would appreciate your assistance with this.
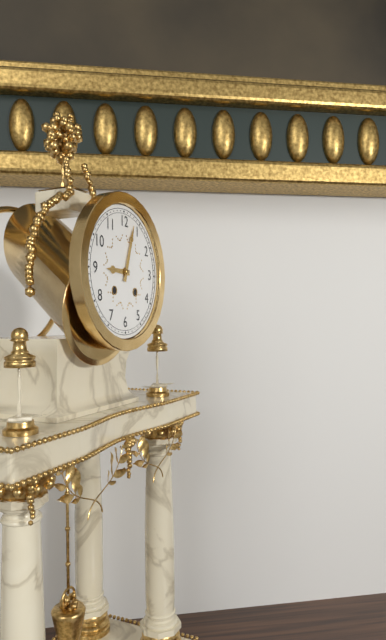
9:03
